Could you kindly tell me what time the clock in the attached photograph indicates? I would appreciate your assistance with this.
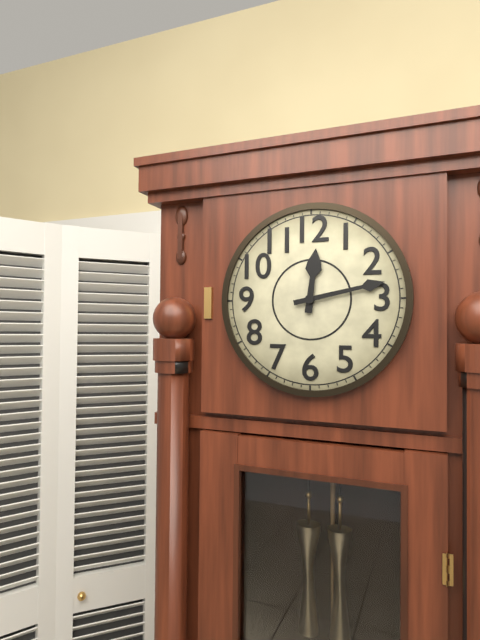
12:13
